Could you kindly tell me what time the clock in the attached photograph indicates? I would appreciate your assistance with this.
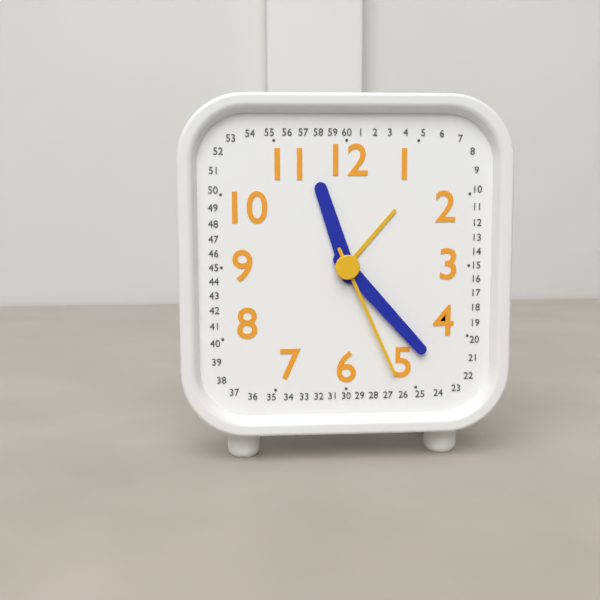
11:23:26
